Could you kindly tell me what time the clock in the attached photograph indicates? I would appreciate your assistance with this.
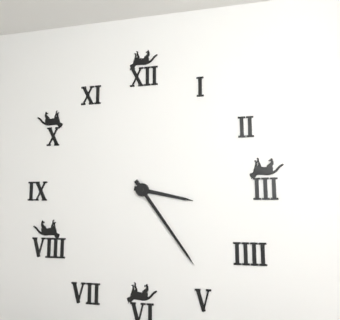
3:24
